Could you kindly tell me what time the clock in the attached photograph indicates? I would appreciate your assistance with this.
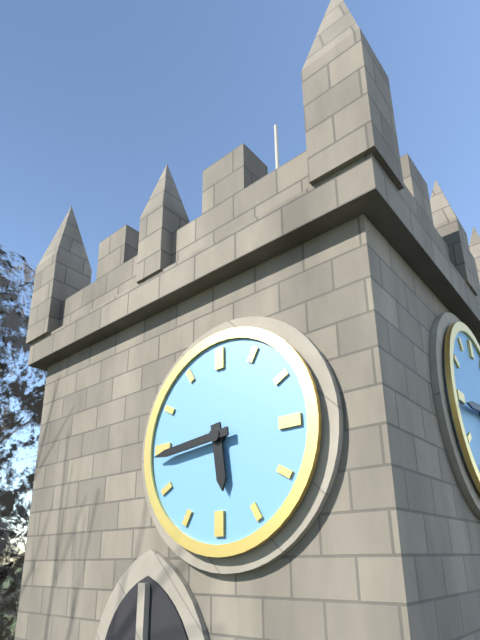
5:44
